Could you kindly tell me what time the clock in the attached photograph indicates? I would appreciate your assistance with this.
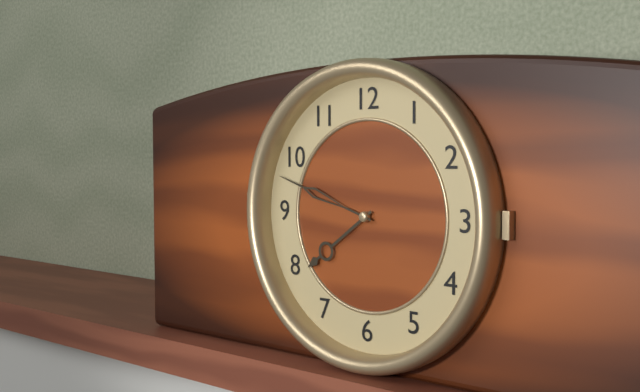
7:48
